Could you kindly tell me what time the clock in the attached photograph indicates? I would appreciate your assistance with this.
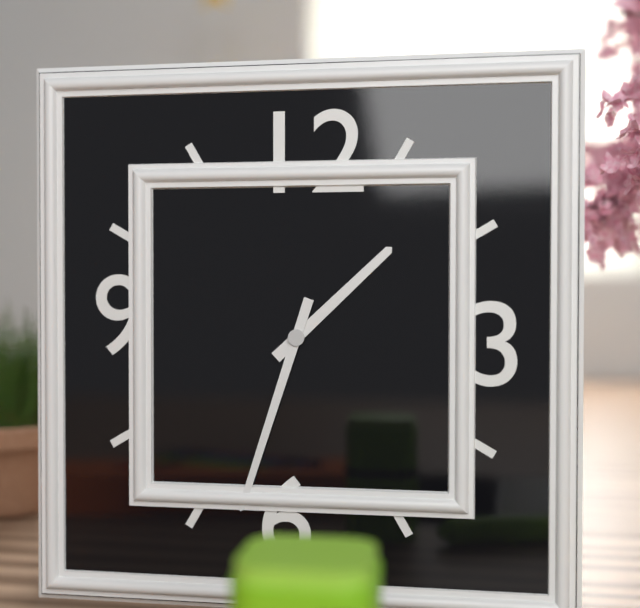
1:33
